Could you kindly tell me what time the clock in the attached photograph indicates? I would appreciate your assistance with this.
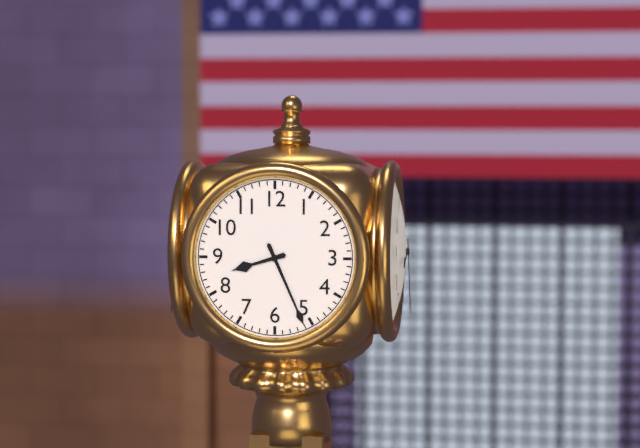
8:26
